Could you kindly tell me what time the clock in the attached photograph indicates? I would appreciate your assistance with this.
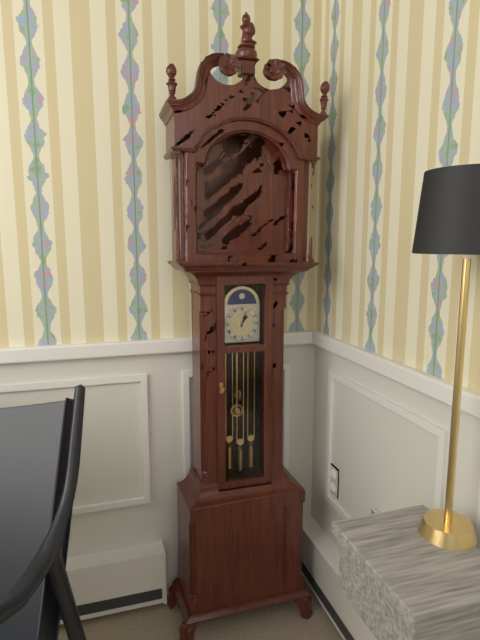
1:03
